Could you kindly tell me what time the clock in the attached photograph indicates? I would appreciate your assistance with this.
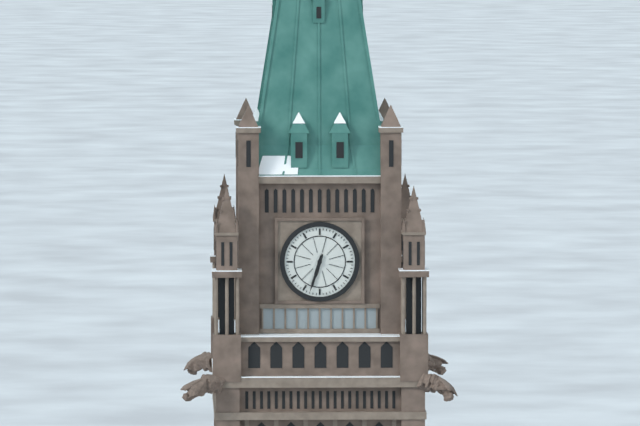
6:33
